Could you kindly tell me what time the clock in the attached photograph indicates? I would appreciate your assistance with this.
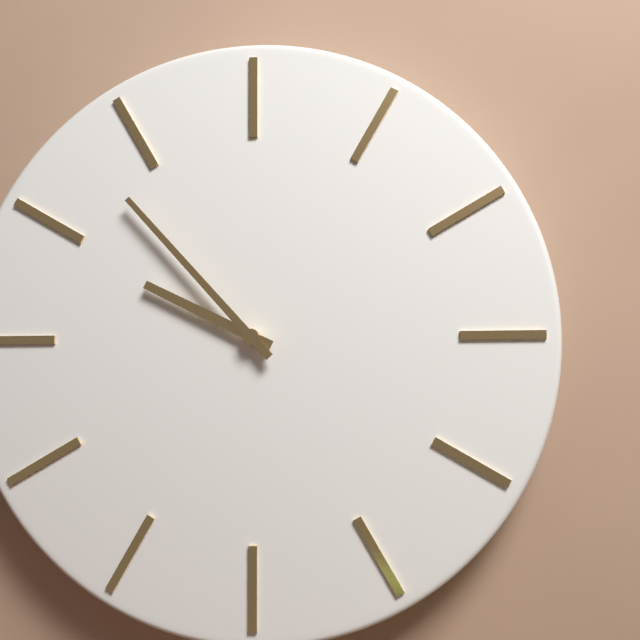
9:53
